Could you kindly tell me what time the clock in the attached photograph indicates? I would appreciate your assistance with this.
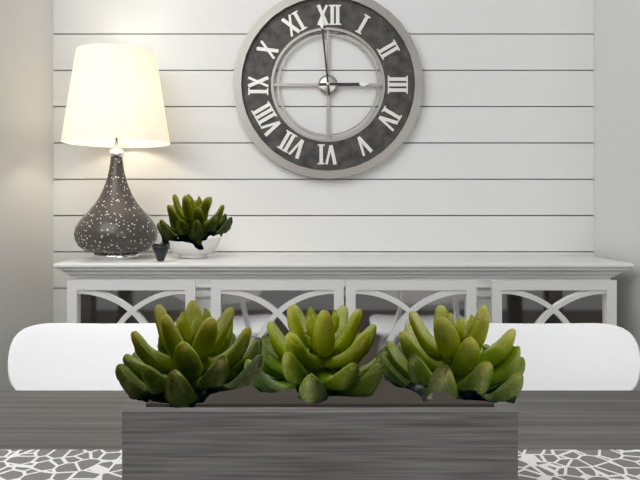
2:59
